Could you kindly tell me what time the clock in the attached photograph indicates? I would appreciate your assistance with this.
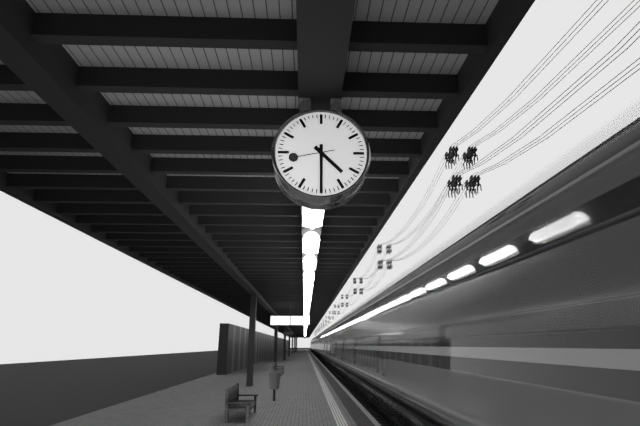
4:30
